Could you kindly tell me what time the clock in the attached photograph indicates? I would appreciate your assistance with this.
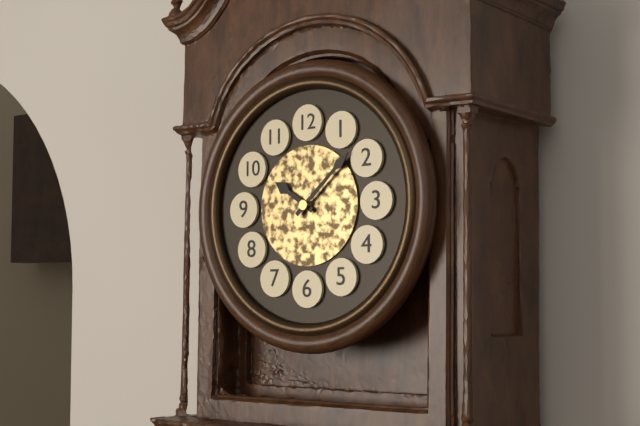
10:08
